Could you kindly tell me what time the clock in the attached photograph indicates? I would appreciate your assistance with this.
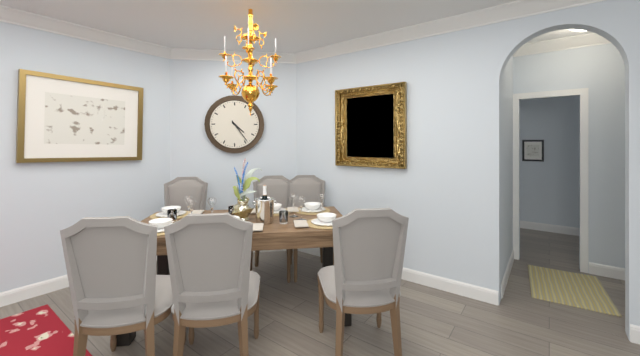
4:24
